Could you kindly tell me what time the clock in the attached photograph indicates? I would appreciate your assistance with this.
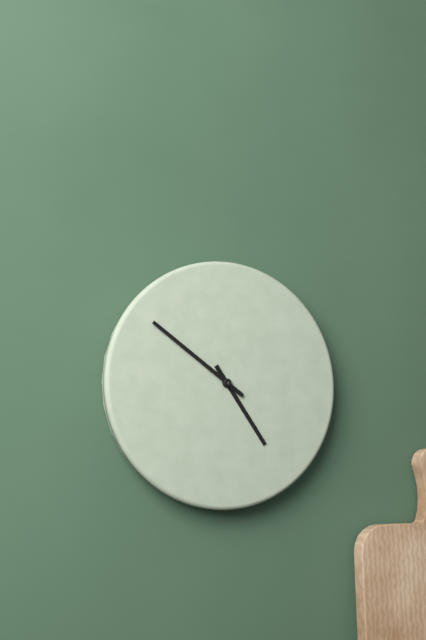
4:51
